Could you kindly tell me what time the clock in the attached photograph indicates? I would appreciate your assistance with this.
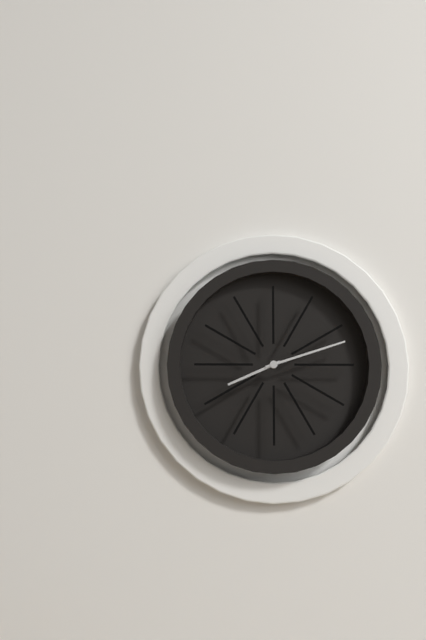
8:12
